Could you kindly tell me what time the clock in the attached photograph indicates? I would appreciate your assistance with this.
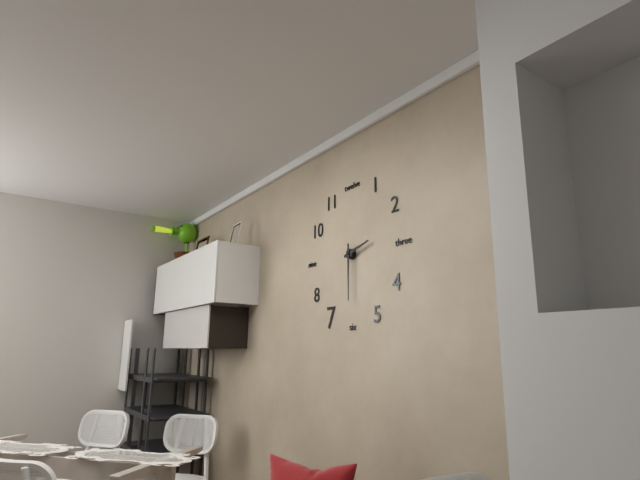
2:30
